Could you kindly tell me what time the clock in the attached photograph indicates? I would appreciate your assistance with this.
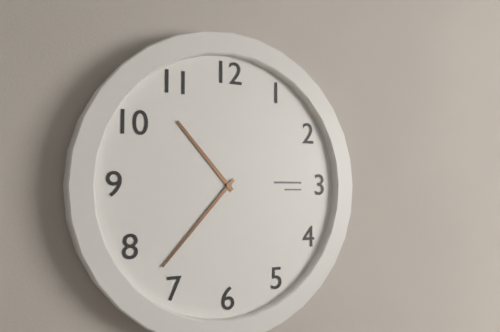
10:37
